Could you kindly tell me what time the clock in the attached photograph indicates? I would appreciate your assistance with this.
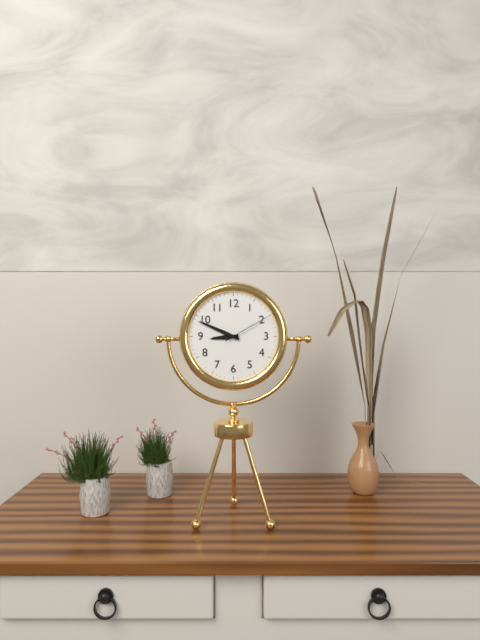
8:49
